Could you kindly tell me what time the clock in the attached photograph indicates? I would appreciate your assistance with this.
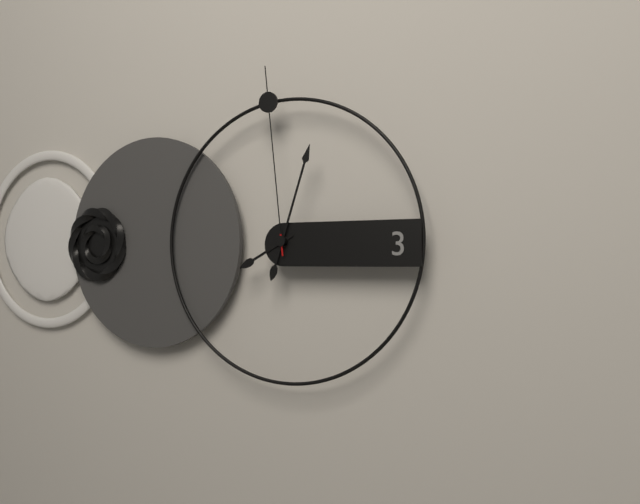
8:03:59
